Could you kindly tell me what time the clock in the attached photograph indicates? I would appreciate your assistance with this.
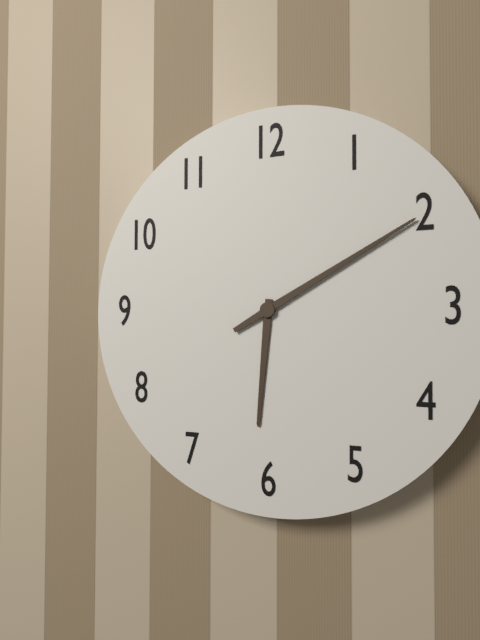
6:10
